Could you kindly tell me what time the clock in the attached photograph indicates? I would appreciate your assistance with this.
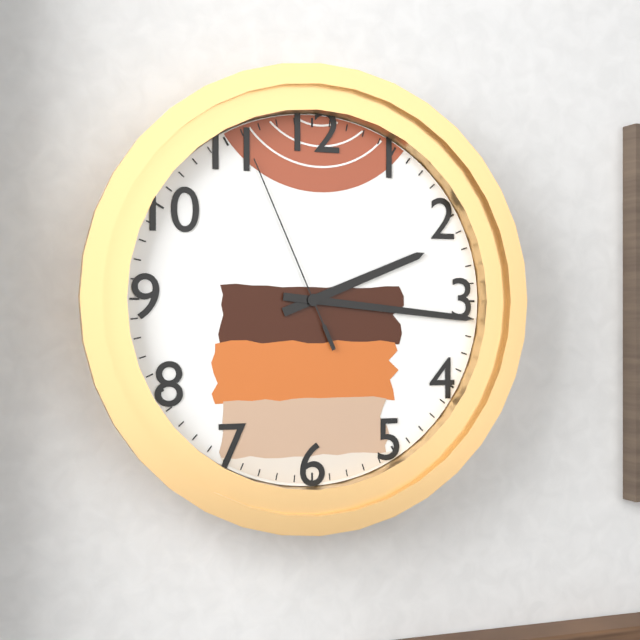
2:16:56
